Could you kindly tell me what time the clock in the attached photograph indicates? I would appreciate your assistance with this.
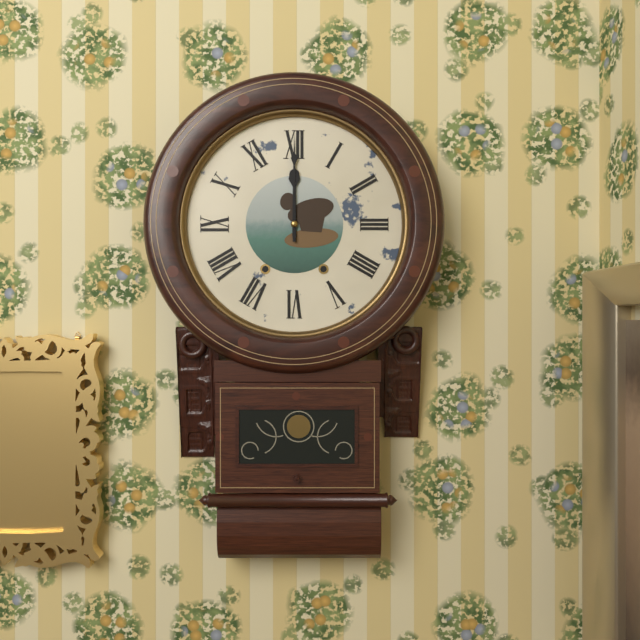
12:00
